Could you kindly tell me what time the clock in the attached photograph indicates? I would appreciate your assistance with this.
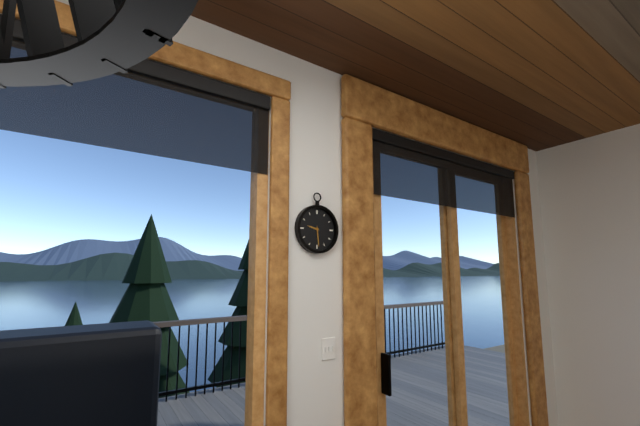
9:29
